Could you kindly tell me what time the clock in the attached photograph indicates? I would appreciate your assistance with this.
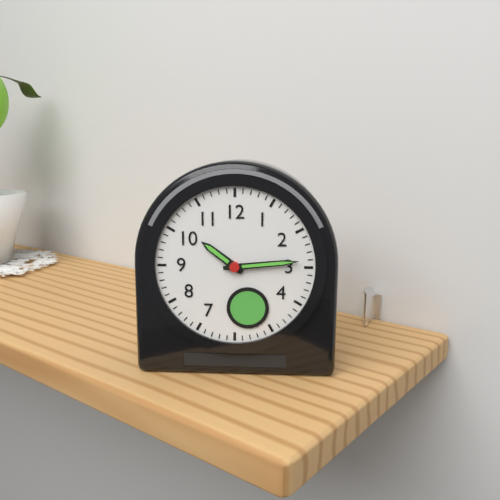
10:14
